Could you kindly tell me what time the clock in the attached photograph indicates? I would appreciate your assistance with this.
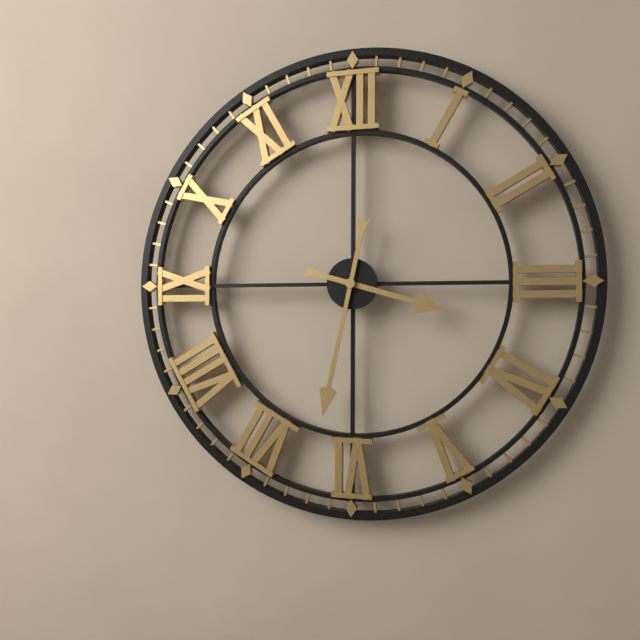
3:32
